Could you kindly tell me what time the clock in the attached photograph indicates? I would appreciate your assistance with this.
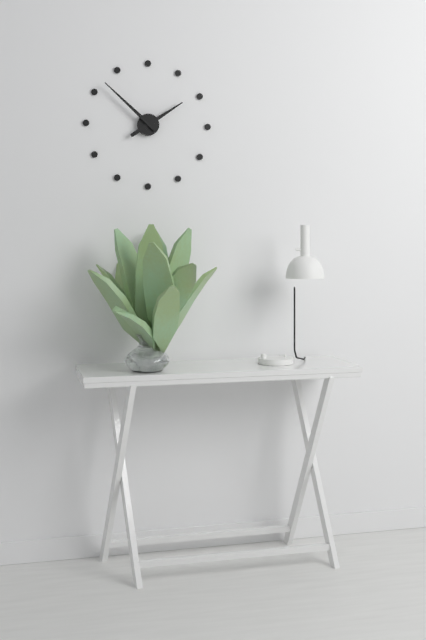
1:52
